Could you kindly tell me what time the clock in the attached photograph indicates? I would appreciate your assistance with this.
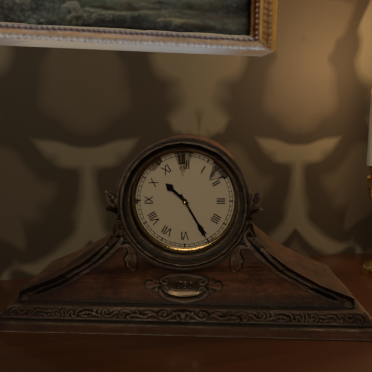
10:25
